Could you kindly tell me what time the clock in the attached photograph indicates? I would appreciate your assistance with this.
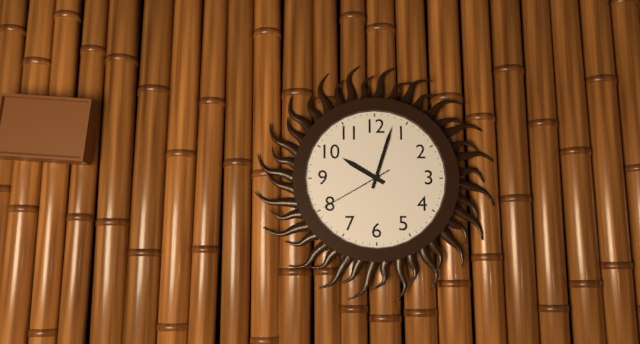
10:03:40
